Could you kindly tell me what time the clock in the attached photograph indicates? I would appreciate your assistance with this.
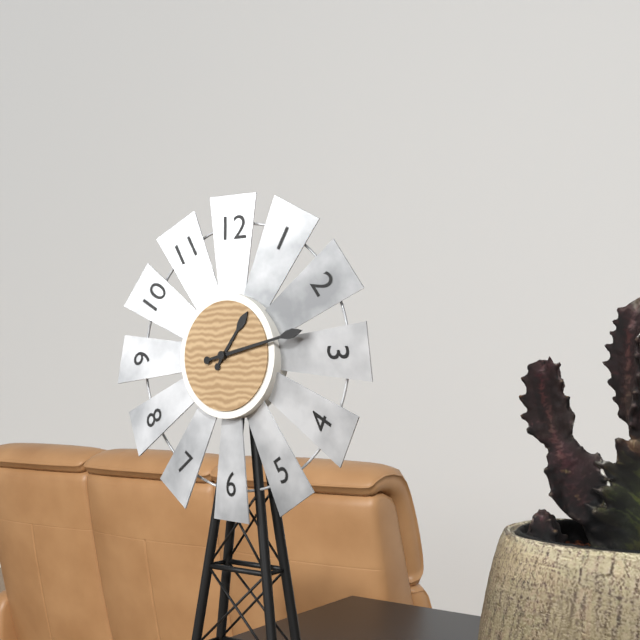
1:13
